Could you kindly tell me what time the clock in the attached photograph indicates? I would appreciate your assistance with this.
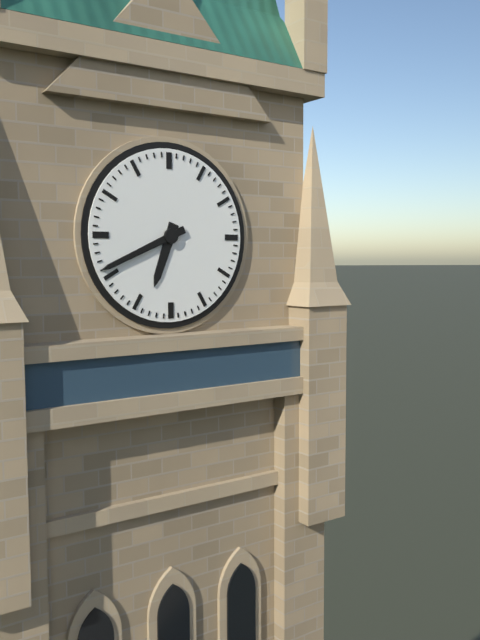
6:41
